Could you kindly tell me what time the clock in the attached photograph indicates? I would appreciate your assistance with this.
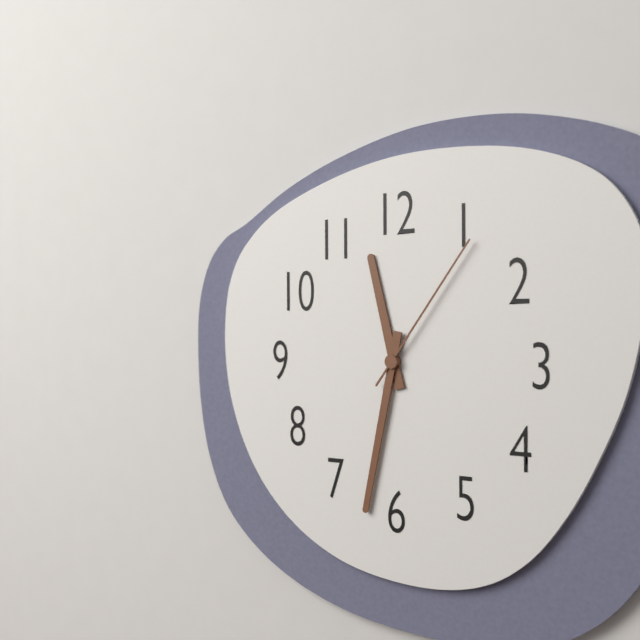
11:32:06
